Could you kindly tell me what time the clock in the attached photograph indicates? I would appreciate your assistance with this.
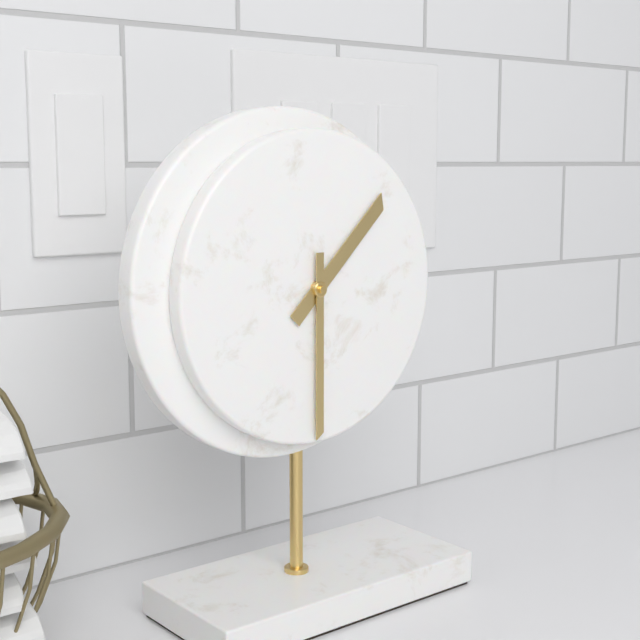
1:30
